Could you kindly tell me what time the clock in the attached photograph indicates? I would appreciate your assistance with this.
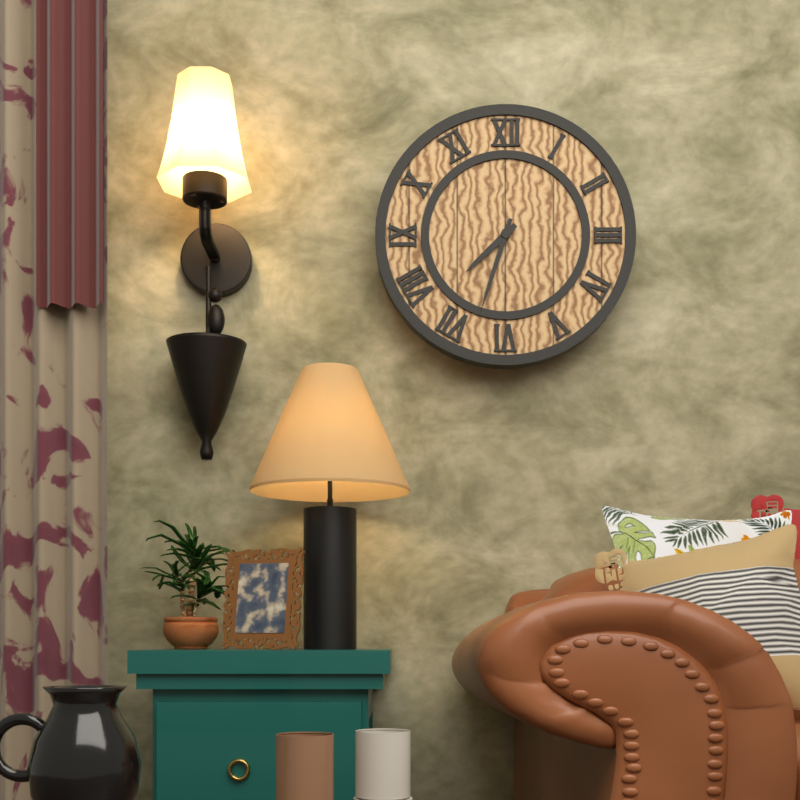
7:33
